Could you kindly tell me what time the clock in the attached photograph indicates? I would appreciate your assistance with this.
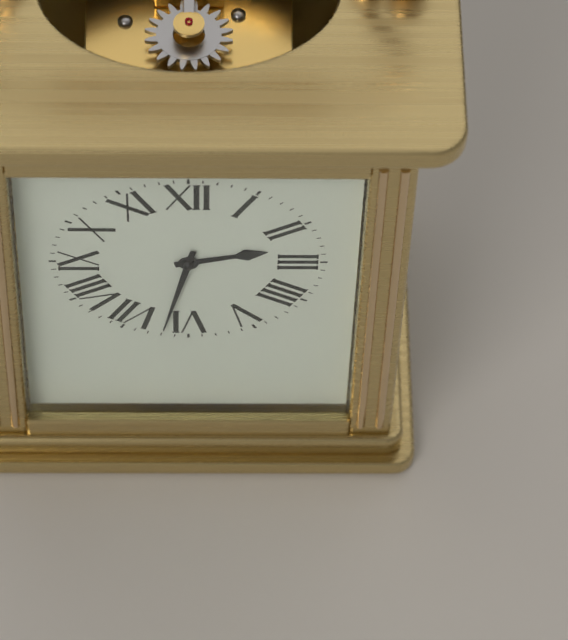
2:32
